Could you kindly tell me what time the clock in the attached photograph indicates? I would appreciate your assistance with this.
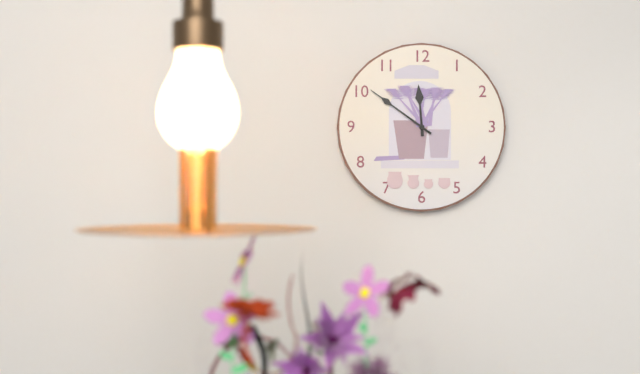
11:51
